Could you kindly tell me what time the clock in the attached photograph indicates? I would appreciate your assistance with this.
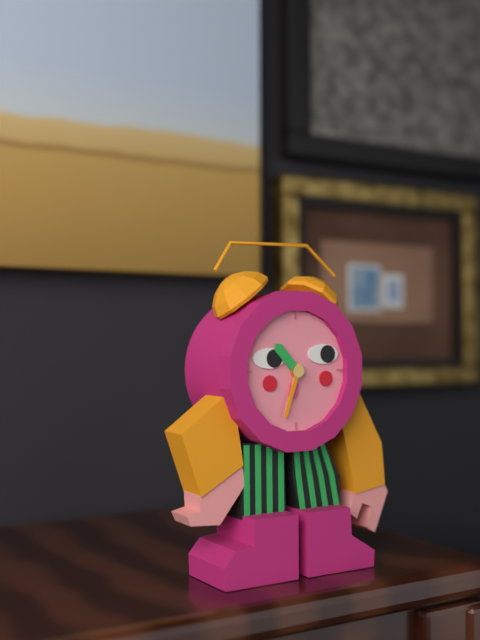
10:33
